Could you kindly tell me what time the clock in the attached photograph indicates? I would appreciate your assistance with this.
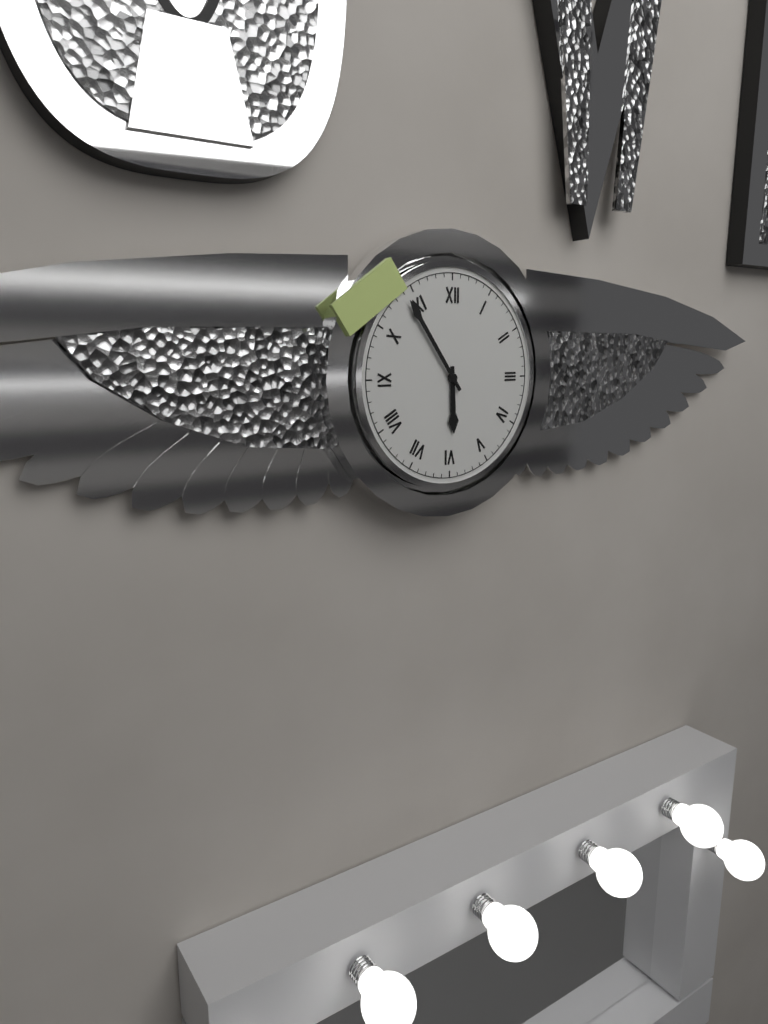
5:54
